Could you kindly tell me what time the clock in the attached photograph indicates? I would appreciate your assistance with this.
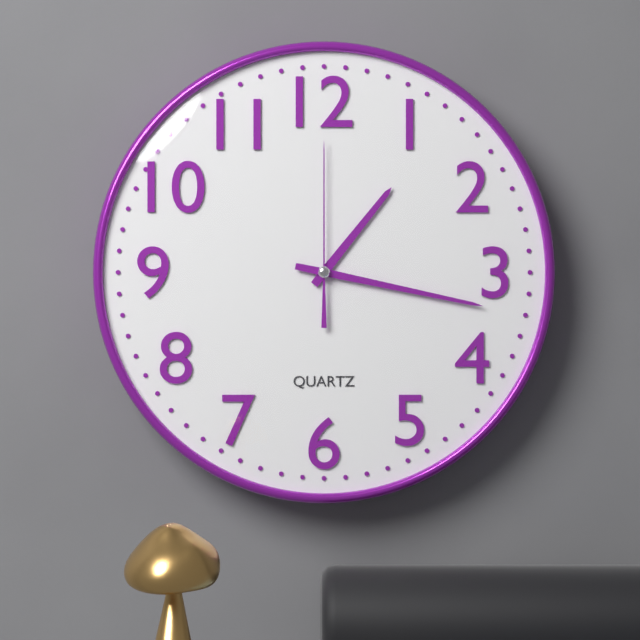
1:17:00
